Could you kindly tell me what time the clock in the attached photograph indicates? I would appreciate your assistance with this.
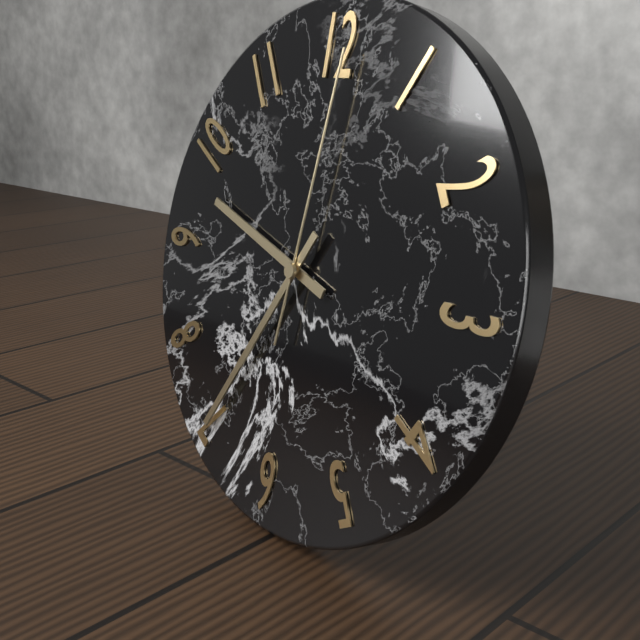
9:35:01
